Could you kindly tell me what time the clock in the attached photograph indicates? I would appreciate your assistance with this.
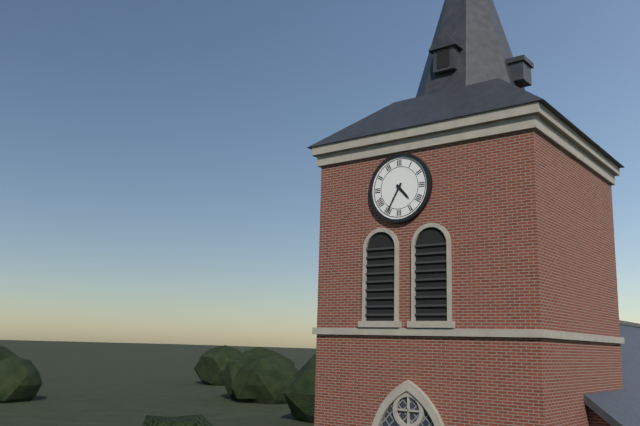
4:35
